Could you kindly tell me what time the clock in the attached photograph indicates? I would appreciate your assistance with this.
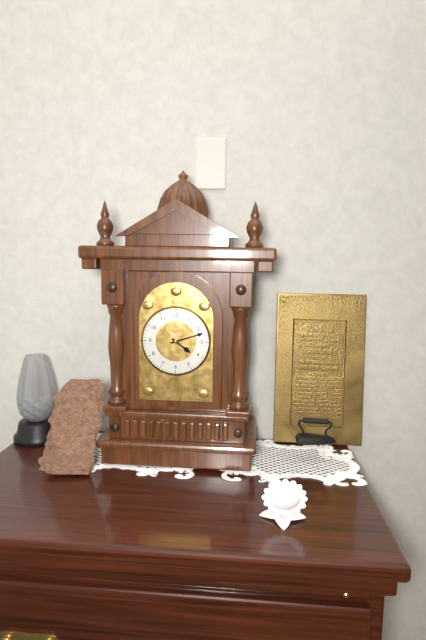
4:12
